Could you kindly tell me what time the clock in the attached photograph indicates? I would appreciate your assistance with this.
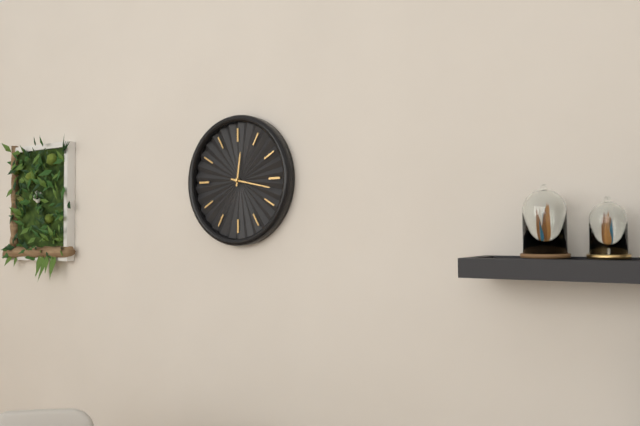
12:17
